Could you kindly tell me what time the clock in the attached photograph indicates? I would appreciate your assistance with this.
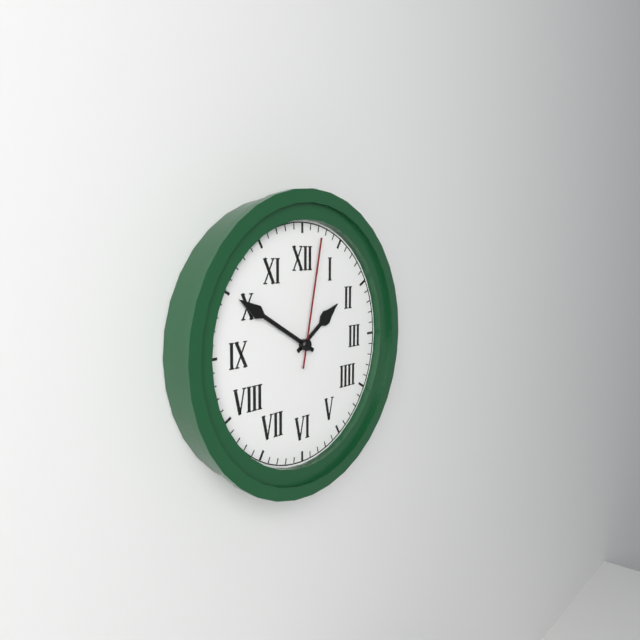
1:50:02
